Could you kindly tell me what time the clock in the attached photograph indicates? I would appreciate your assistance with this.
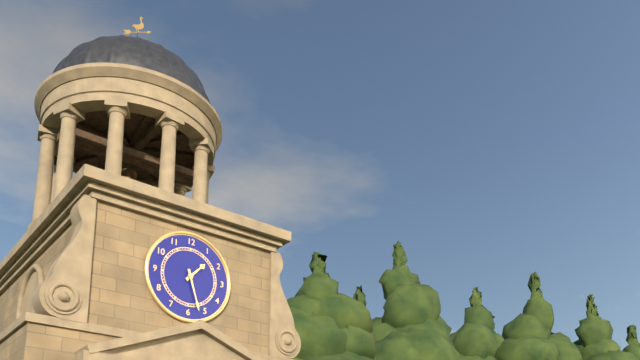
1:27
